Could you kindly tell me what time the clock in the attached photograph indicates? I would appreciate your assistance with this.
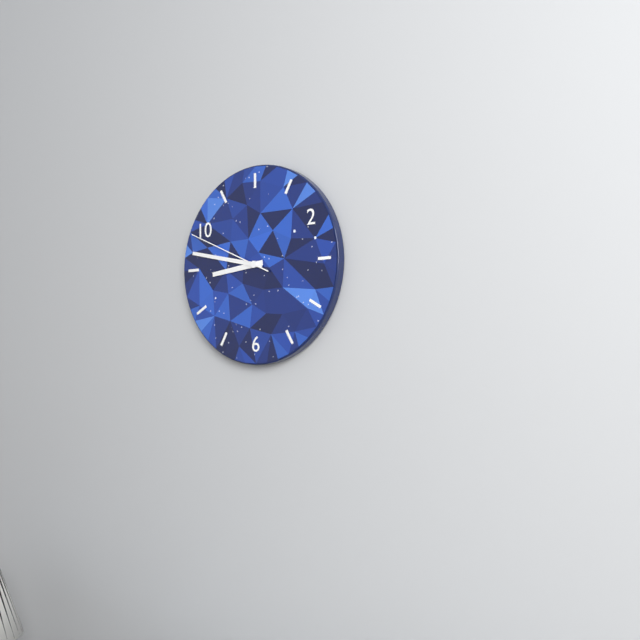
8:47:49
